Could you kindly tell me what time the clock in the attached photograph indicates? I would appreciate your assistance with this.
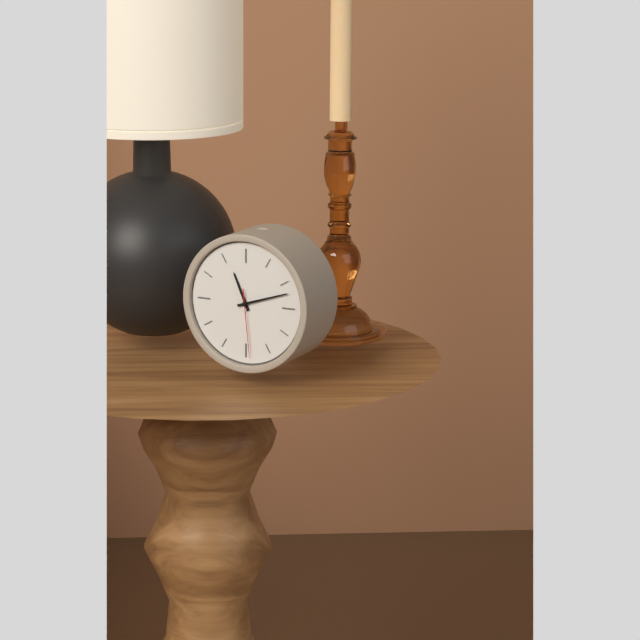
11:12:29
